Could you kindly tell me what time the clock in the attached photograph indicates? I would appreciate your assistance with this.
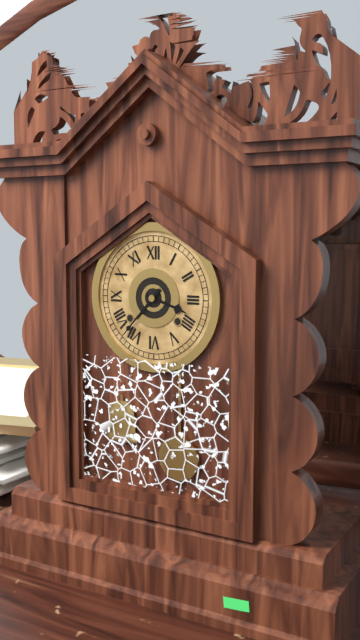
3:37
